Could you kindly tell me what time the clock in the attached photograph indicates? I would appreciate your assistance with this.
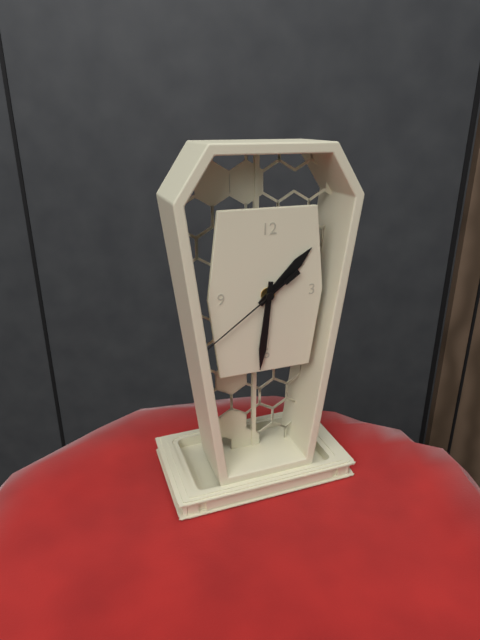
1:31:39
